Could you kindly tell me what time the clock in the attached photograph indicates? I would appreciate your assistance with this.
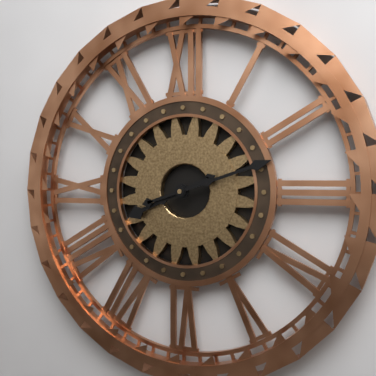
8:12
